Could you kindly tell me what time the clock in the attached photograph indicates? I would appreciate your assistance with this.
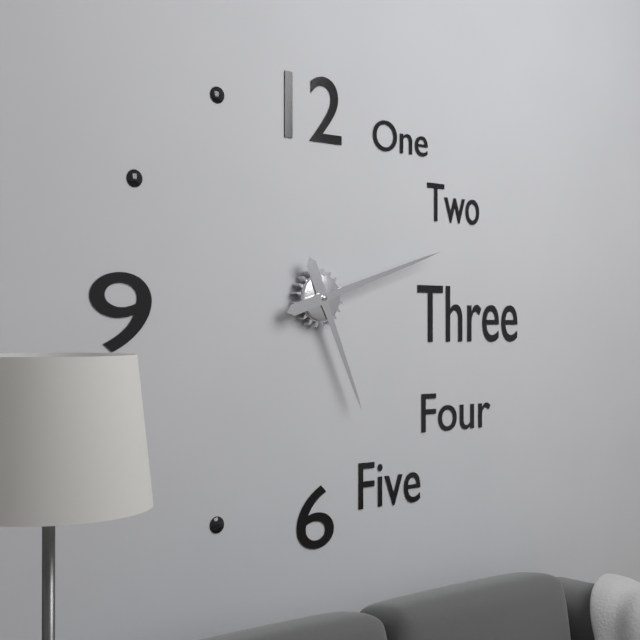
5:12
